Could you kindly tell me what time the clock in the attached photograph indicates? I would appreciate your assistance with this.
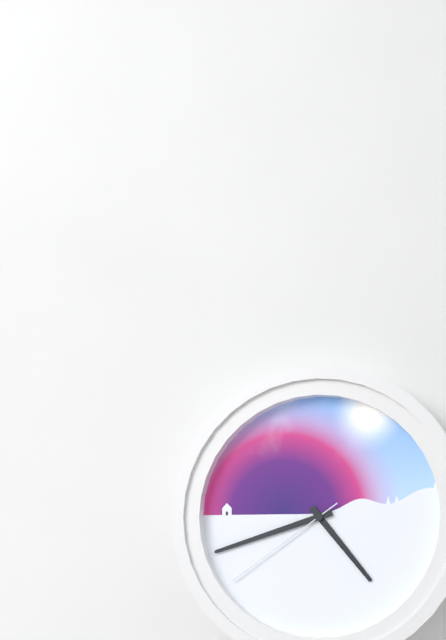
4:42:39
